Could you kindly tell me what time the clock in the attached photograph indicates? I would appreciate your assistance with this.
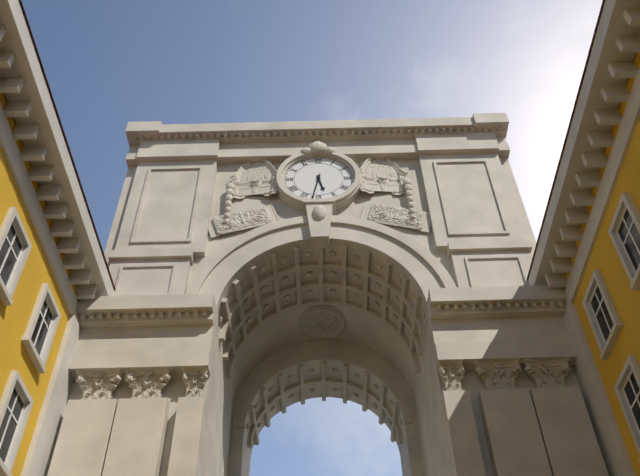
5:32
